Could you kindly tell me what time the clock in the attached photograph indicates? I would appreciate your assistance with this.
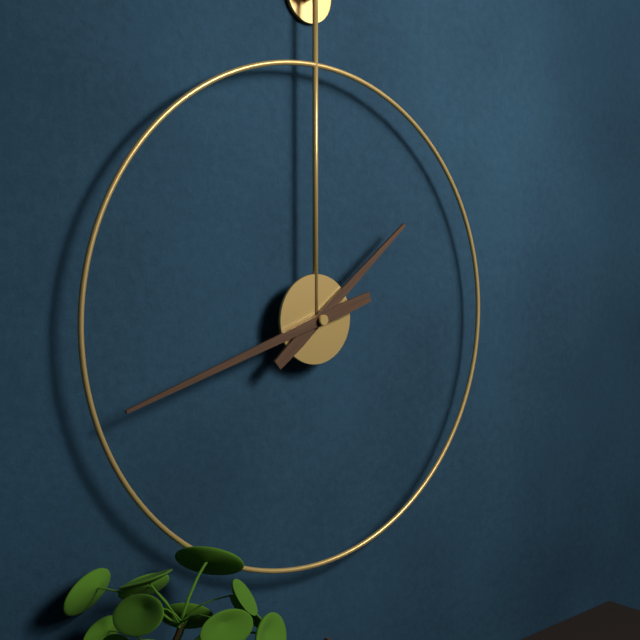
1:42
